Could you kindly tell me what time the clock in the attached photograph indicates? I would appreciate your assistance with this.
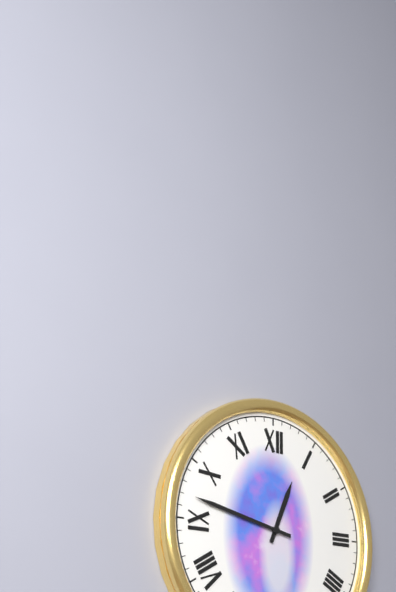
12:47
